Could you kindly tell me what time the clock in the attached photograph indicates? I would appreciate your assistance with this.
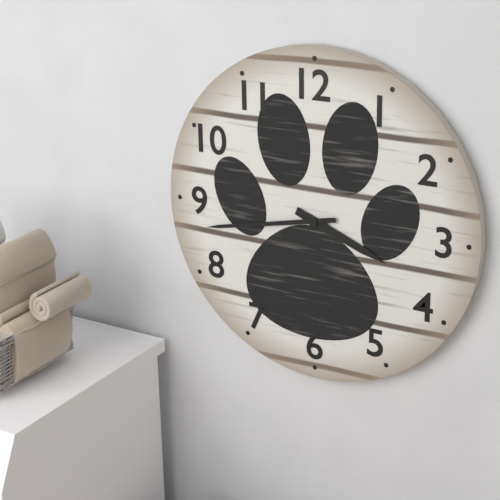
3:43
